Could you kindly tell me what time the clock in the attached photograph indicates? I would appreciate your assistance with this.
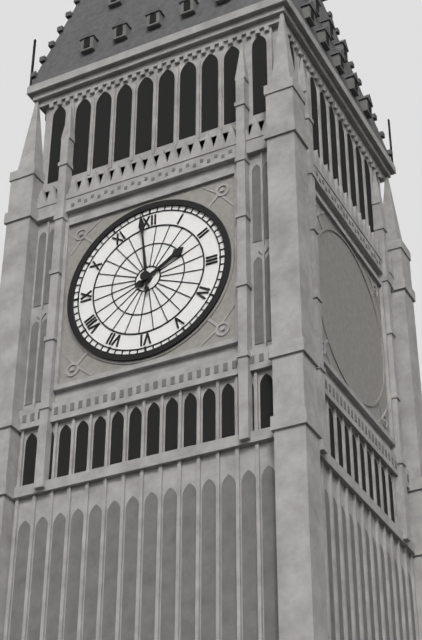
1:59
